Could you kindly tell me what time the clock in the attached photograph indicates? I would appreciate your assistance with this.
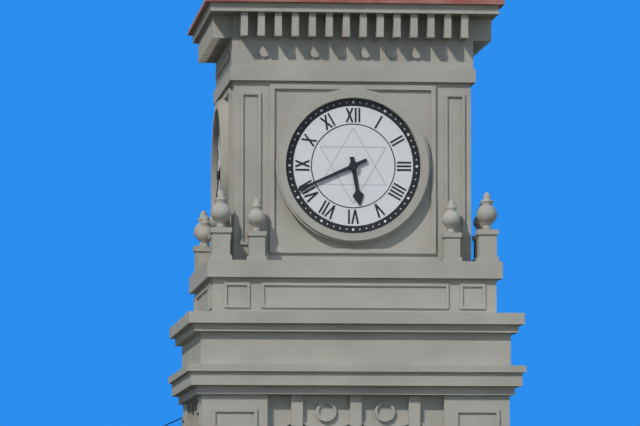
5:41
